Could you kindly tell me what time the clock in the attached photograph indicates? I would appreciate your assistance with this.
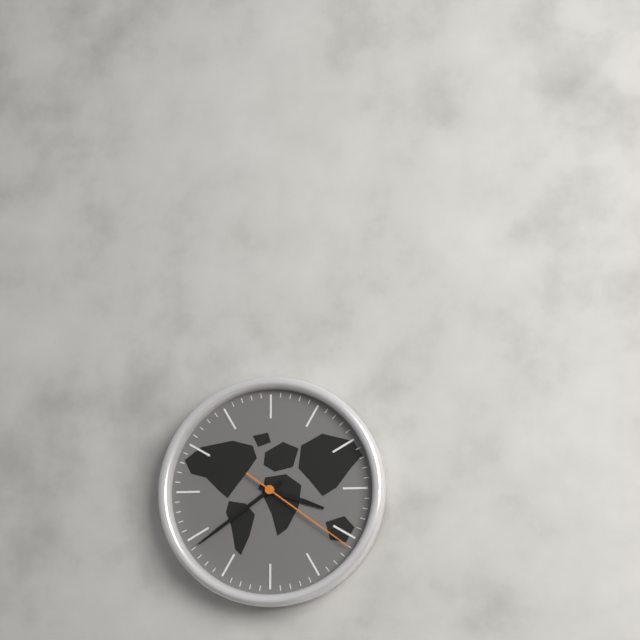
3:39:21
